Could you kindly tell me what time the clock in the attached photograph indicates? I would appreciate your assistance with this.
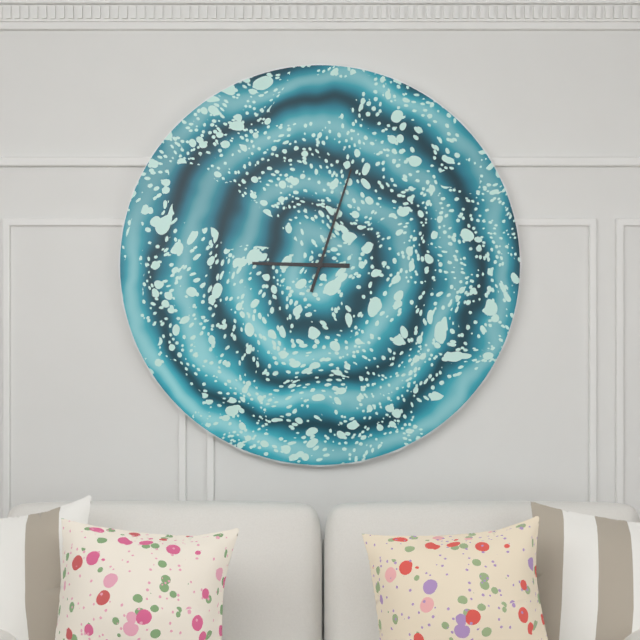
9:03
